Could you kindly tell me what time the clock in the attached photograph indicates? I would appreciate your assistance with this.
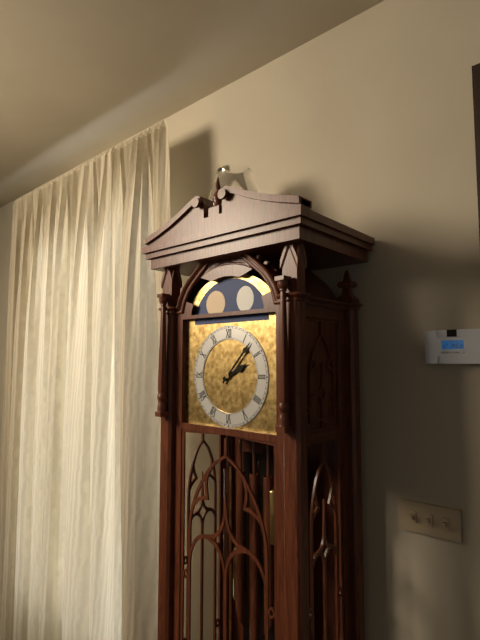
2:07
